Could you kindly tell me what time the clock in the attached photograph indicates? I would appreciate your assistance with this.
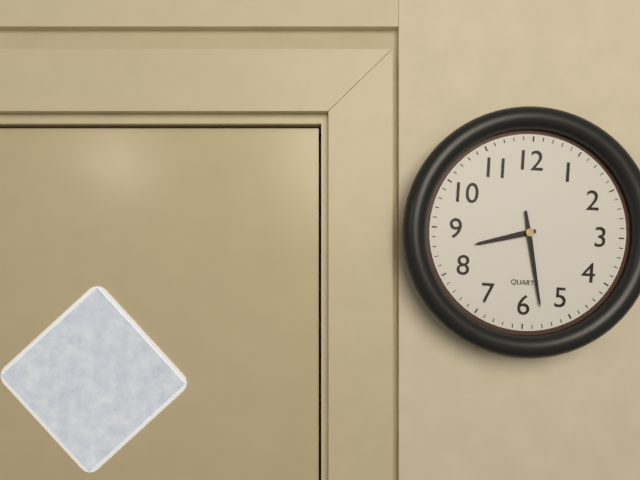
8:28
